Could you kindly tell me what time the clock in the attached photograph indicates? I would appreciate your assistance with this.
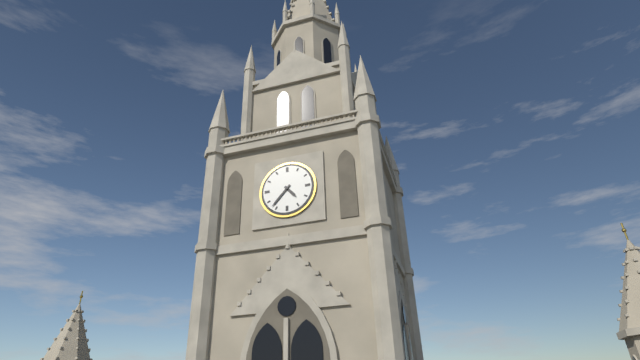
4:37
